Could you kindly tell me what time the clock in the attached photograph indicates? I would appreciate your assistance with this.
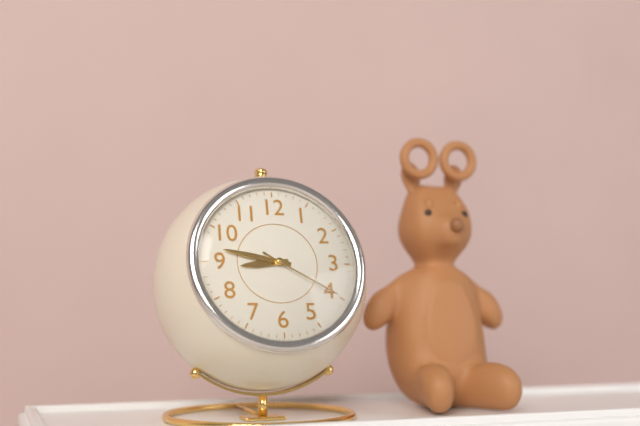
8:47:20
